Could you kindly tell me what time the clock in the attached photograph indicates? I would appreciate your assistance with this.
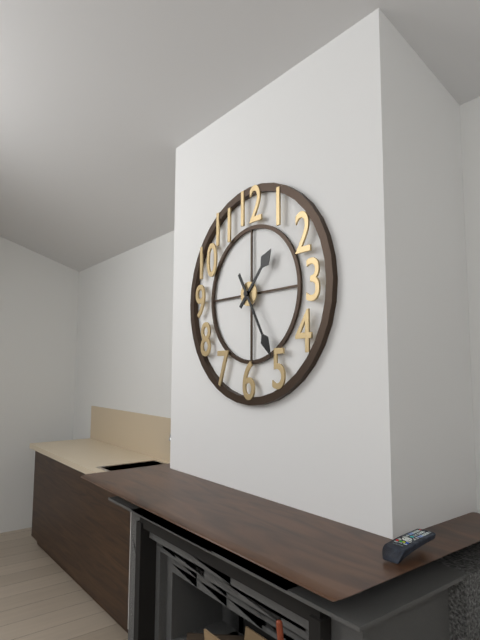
1:25
